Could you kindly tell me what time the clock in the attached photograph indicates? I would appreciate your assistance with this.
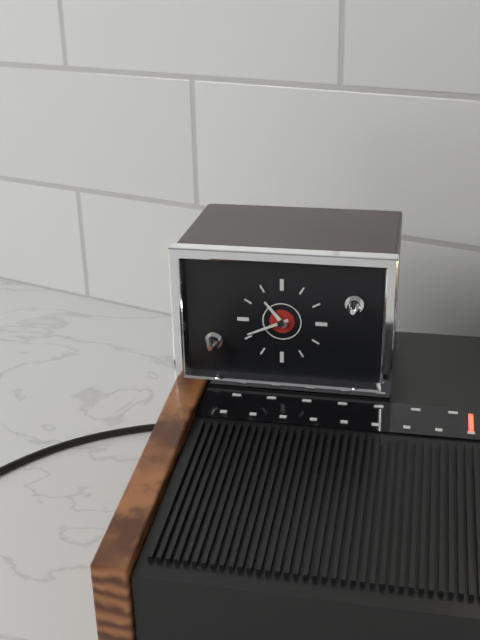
10:41
